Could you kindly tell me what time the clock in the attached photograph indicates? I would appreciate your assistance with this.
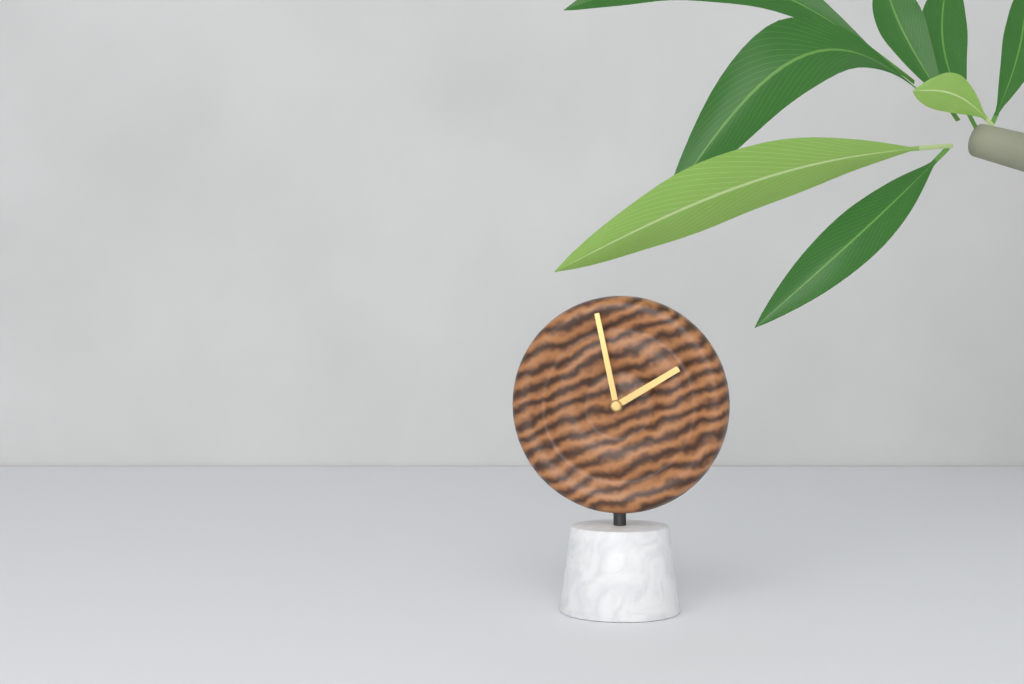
1:58
